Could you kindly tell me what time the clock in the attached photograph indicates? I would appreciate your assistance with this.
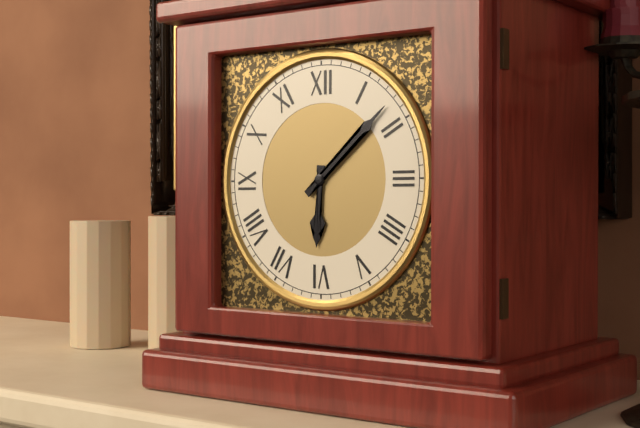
6:08
